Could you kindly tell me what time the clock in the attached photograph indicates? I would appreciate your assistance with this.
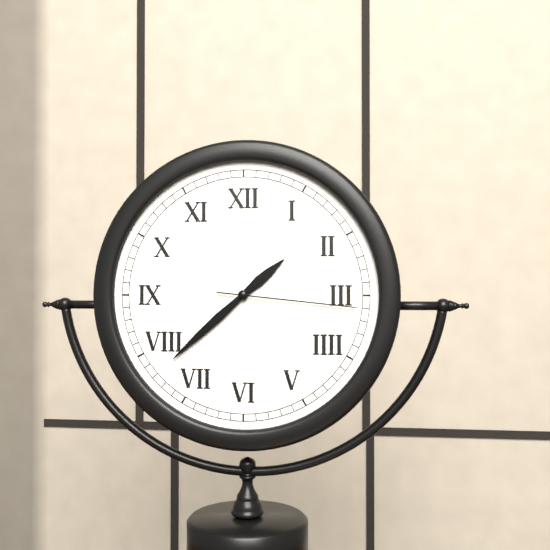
1:38:16
